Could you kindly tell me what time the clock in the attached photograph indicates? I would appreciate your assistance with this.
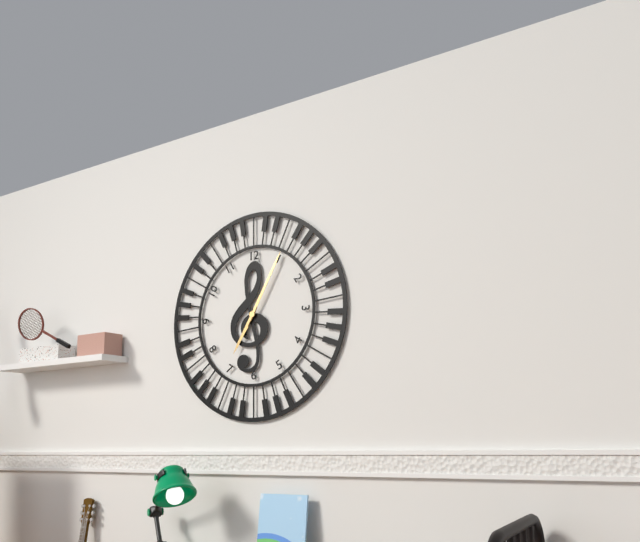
7:05
